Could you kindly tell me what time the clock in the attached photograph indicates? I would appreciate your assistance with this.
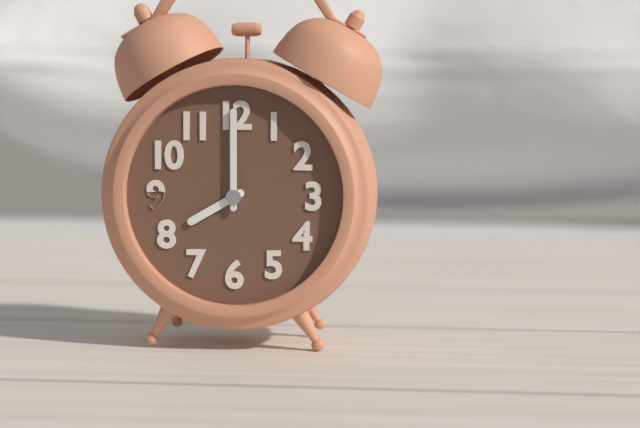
8:00
